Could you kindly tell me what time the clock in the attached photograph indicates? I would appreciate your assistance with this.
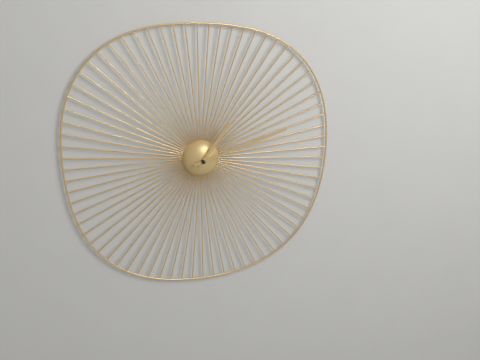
1:12
